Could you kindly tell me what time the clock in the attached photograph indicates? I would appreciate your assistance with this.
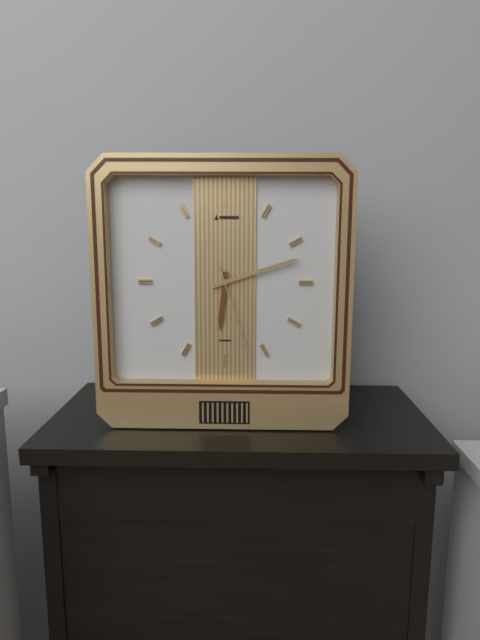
6:12:27
